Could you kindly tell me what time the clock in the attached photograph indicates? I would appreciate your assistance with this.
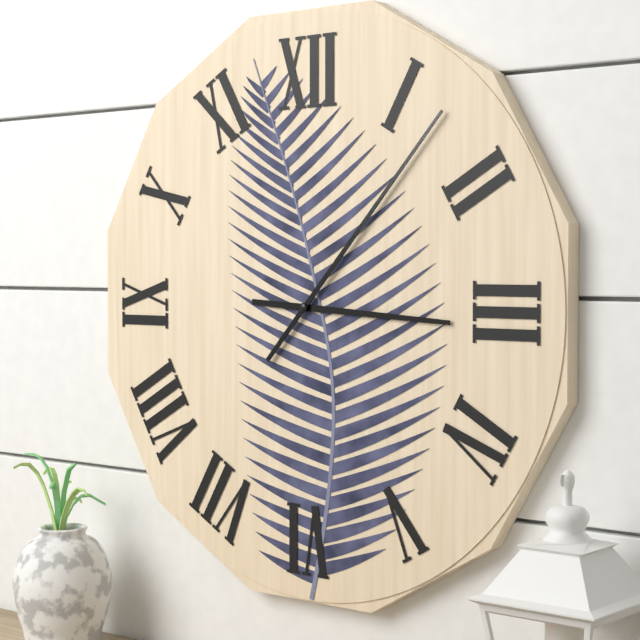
3:07
